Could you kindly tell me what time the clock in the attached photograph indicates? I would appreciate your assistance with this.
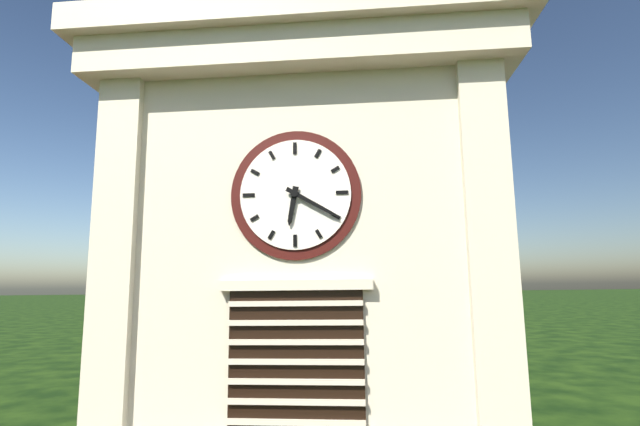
6:20
